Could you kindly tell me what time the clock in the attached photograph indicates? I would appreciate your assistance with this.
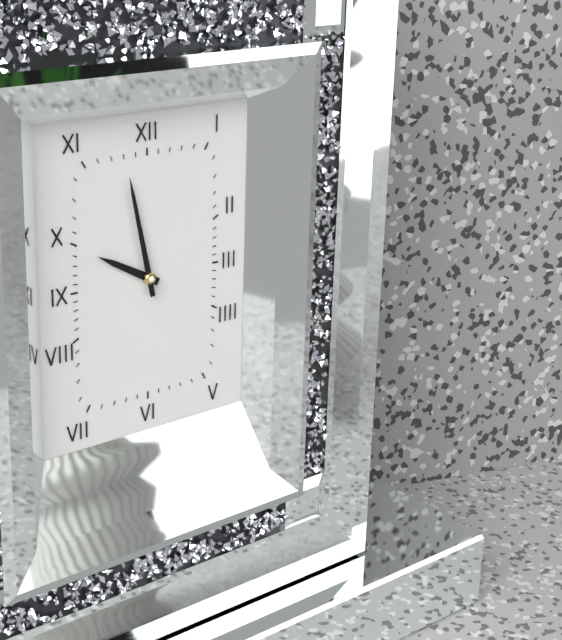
9:58
